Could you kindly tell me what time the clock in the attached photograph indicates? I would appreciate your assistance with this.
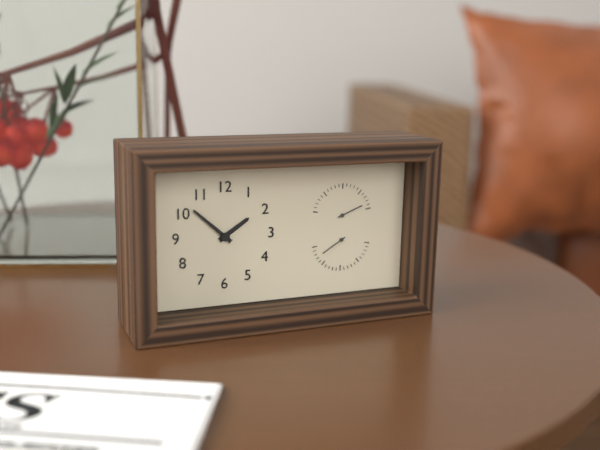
1:52
